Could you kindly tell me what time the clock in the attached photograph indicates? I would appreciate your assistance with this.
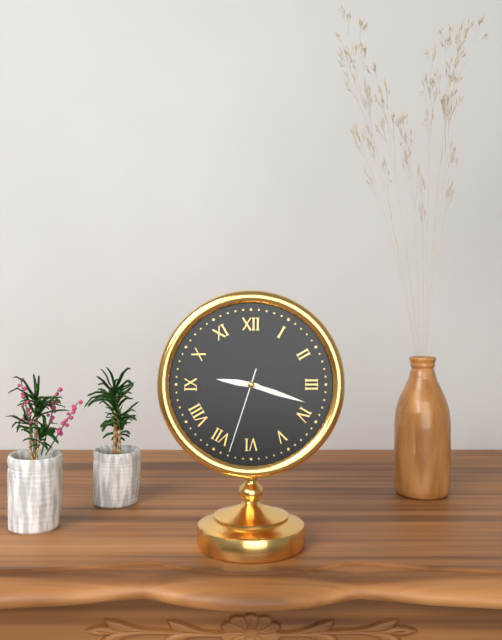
9:18:33
